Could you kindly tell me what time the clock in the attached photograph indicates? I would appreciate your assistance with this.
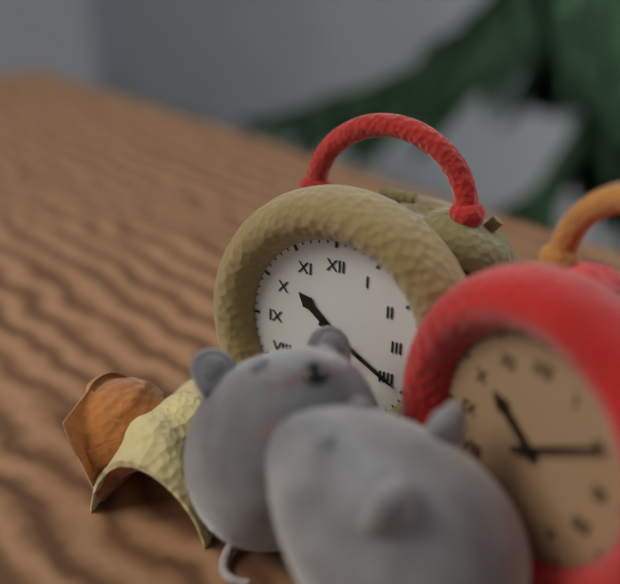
10:20
